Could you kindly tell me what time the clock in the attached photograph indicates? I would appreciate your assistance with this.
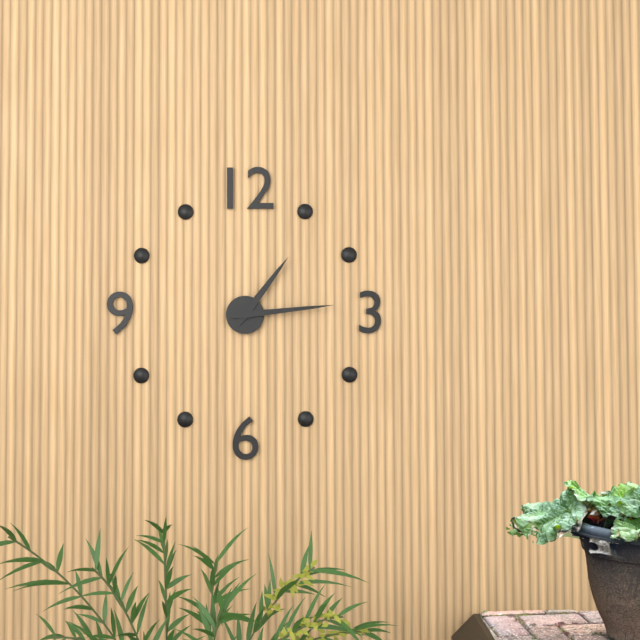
1:14
